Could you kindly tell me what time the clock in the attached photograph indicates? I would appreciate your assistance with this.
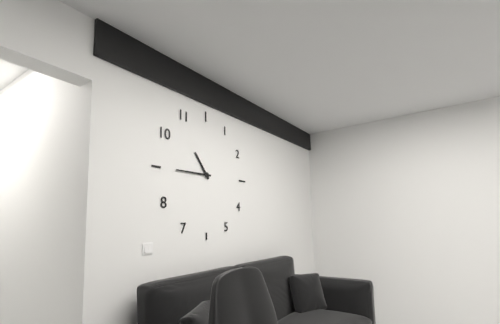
10:45
